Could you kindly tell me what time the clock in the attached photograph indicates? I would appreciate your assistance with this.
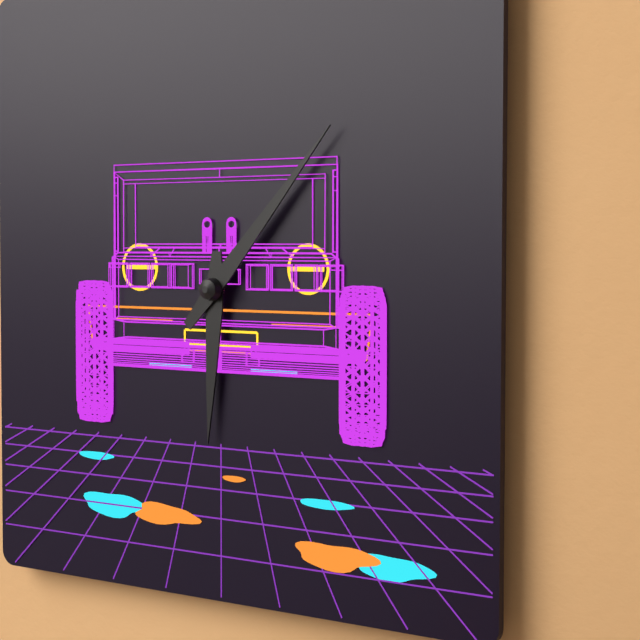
6:07
